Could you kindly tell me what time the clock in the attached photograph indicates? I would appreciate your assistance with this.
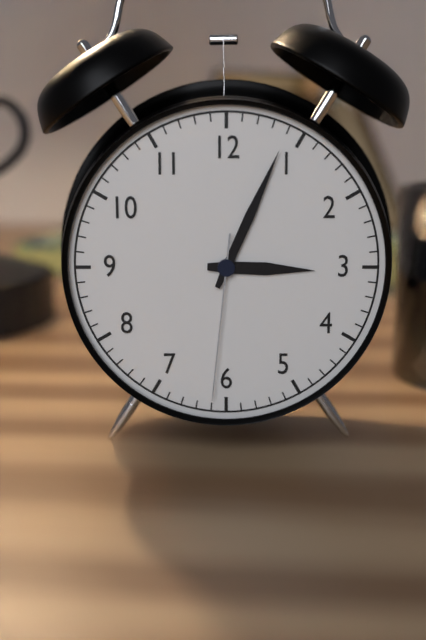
3:04:31
